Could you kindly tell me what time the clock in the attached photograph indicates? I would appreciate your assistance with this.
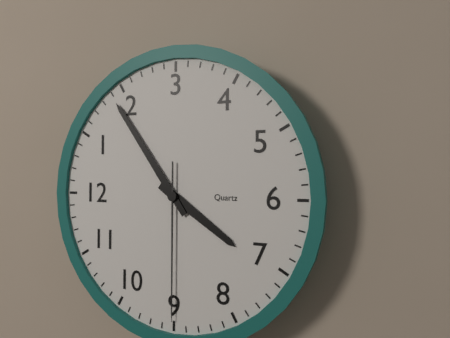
7:09:45
